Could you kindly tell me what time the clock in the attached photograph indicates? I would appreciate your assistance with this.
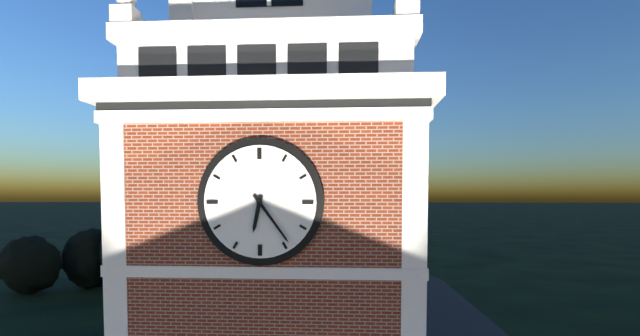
6:24
